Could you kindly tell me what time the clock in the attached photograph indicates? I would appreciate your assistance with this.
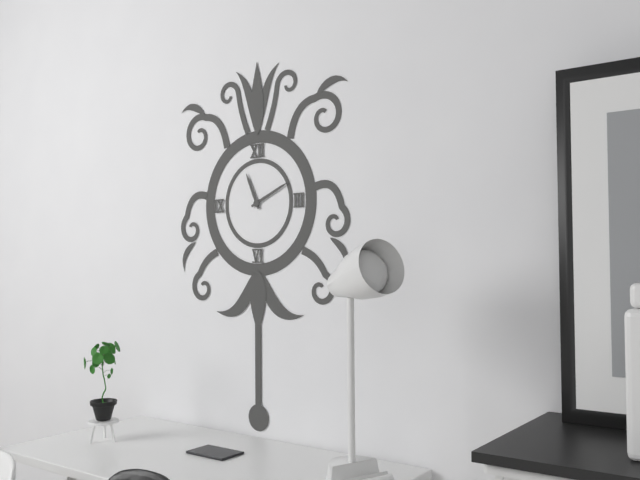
11:11
